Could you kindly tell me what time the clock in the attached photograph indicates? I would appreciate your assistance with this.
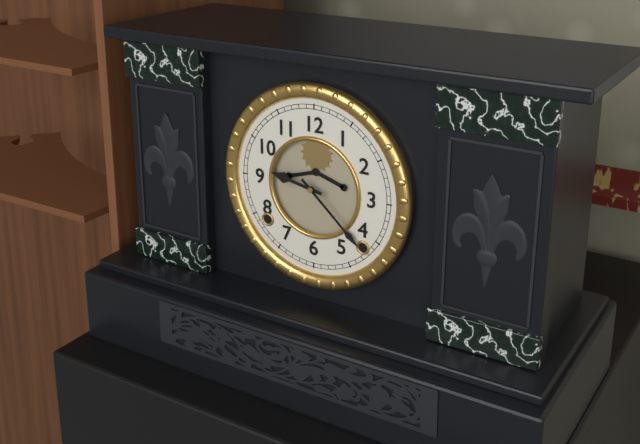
9:22
